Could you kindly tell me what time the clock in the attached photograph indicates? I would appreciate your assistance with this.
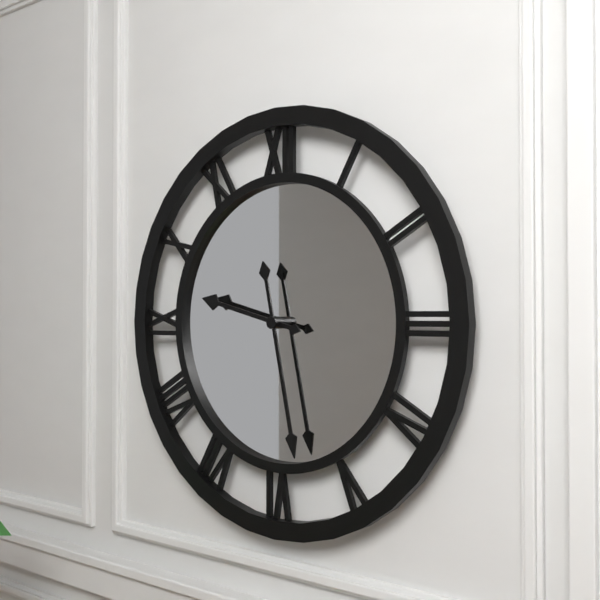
9:28
